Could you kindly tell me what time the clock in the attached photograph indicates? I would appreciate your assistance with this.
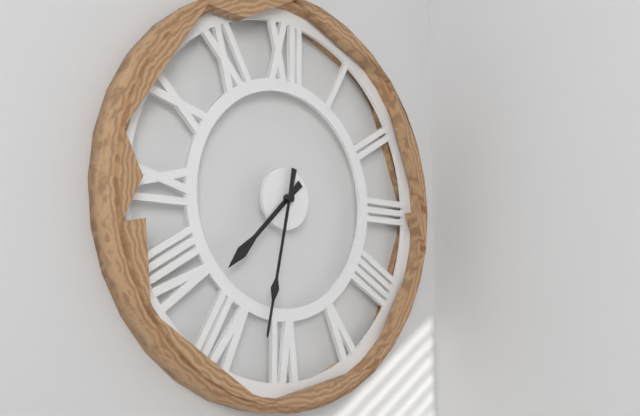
7:32
